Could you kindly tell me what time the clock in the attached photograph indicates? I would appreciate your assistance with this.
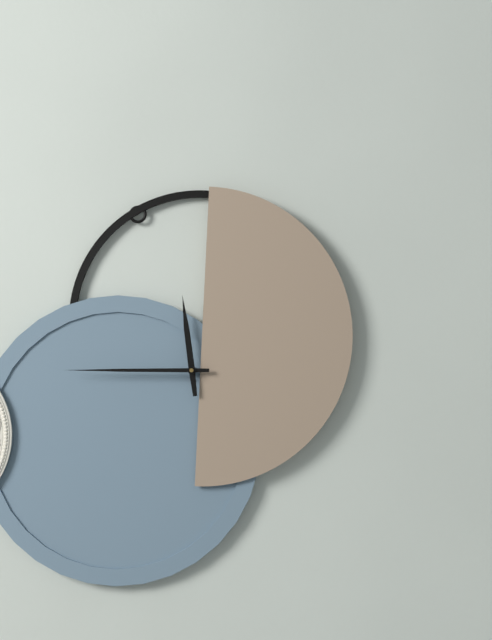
11:45
